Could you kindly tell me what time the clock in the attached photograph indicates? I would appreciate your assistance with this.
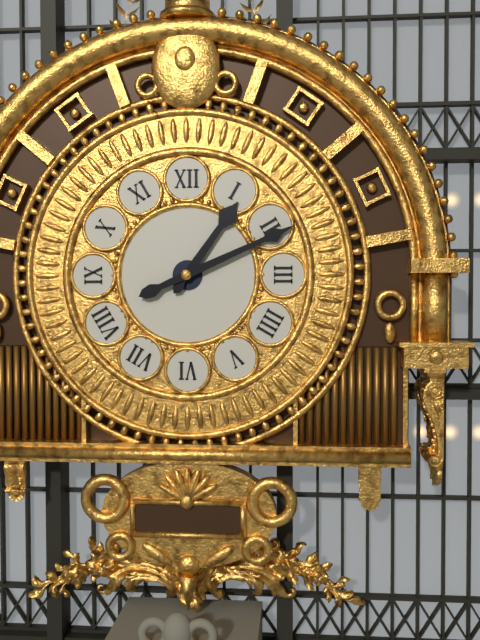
1:11
